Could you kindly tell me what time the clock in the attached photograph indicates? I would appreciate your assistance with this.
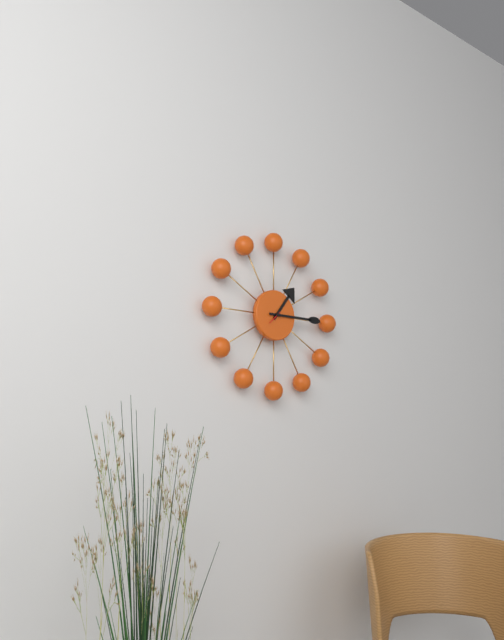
1:15
